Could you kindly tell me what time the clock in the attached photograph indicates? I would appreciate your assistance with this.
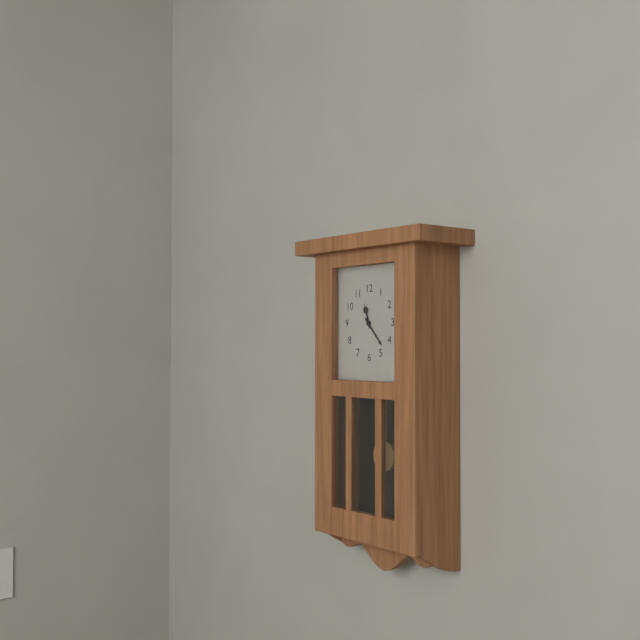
11:23
